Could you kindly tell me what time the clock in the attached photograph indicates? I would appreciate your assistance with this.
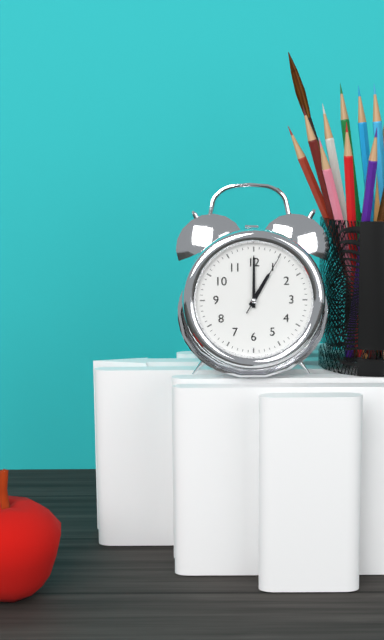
1:00:05
